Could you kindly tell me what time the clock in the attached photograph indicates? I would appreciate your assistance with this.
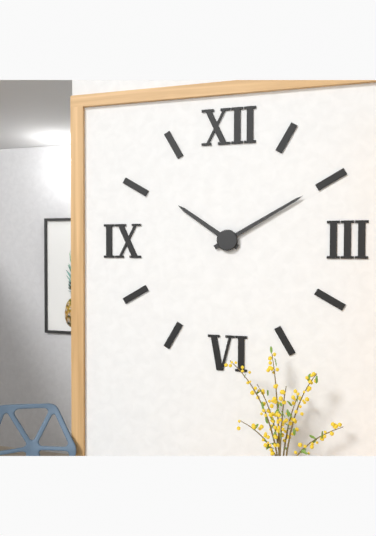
10:10
